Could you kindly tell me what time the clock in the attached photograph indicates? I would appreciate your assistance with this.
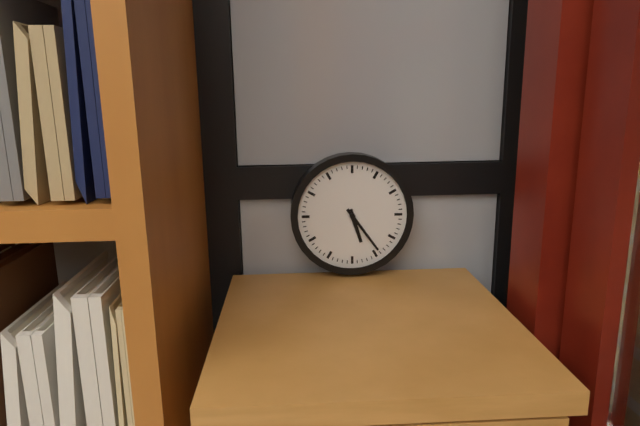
5:24
